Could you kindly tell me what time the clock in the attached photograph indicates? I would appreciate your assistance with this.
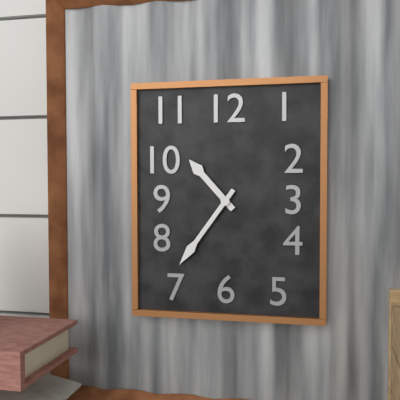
10:36
